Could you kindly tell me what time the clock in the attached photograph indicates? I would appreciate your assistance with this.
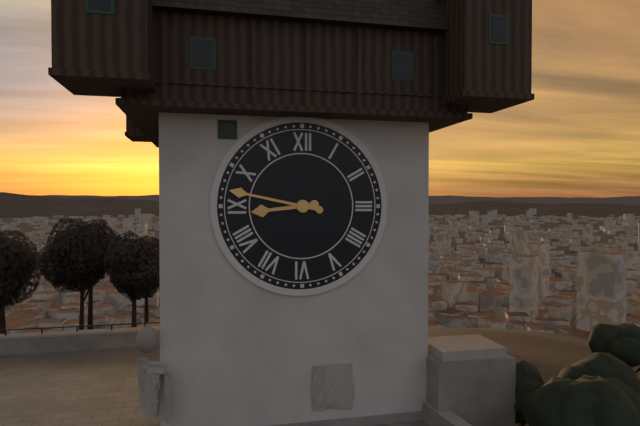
8:47
